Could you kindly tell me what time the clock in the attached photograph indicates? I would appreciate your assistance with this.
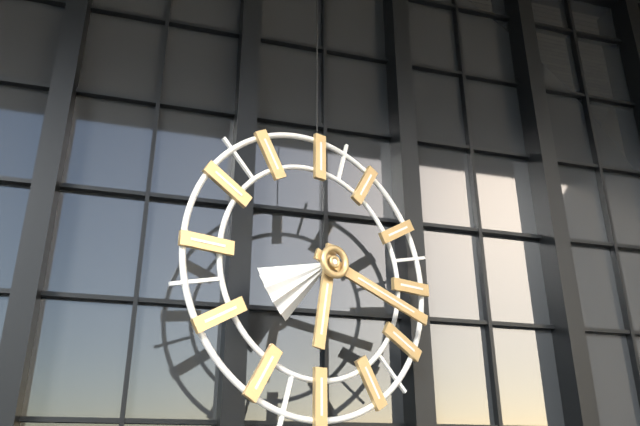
6:18
